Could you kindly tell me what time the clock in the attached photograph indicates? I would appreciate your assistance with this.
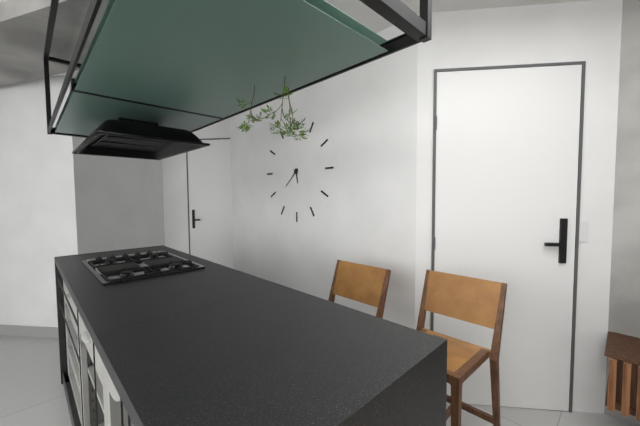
5:38
